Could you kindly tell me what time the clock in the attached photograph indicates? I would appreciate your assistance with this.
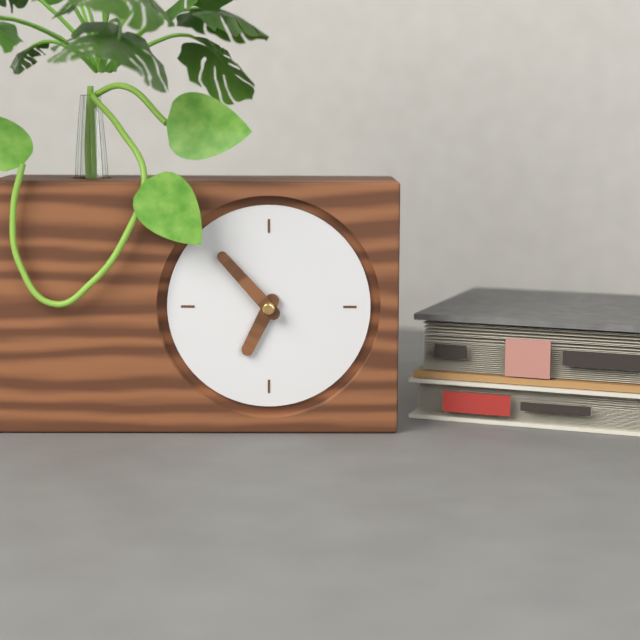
6:53
